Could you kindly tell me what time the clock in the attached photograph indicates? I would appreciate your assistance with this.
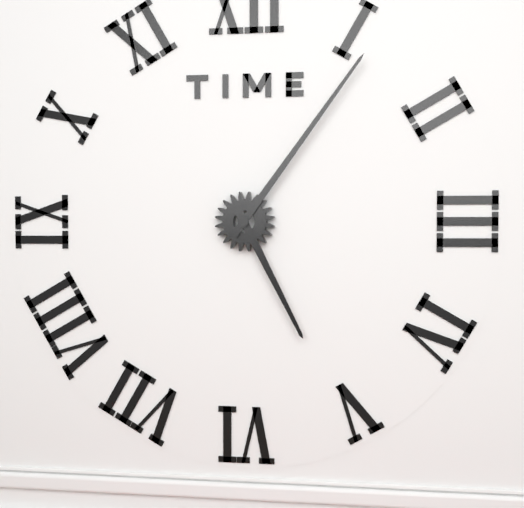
5:06
